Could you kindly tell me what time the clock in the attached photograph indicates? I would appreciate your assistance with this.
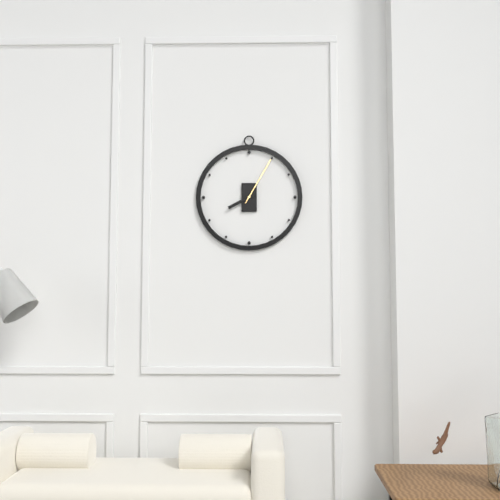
8:05
